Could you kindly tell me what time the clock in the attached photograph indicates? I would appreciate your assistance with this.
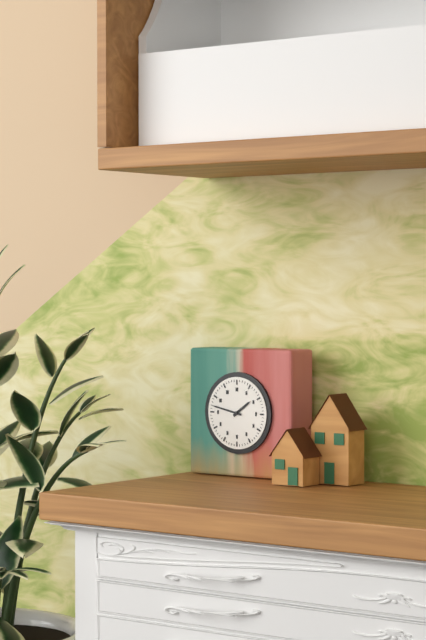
1:47
